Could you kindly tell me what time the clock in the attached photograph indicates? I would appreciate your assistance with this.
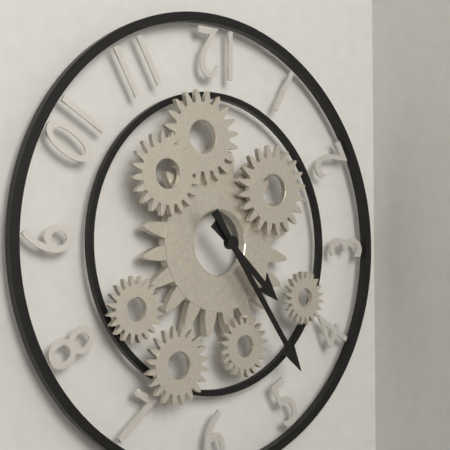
4:24
